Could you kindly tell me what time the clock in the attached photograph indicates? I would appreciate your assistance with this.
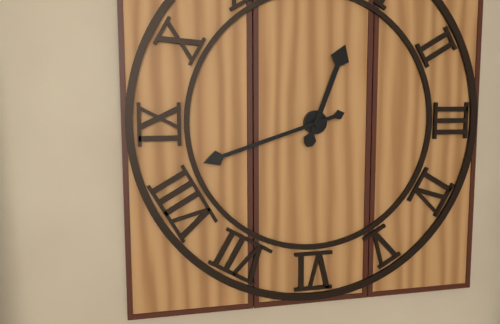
12:42
